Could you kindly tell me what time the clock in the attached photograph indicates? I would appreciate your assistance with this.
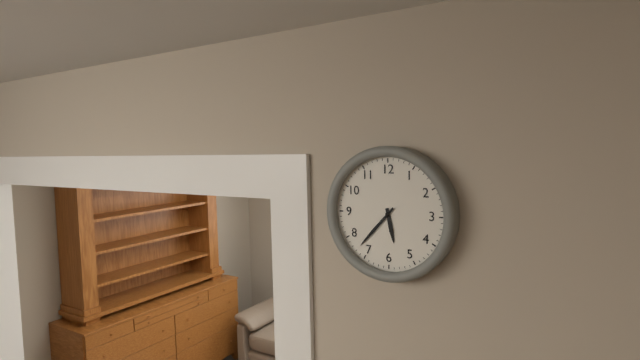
5:37
